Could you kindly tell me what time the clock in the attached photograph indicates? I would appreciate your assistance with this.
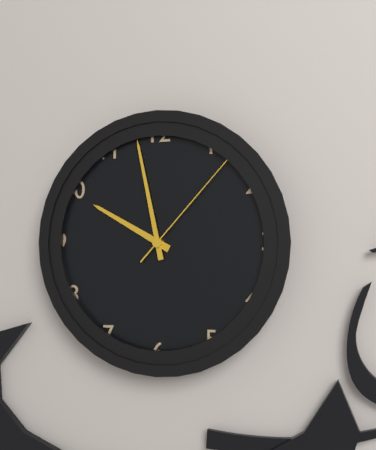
9:58:07
